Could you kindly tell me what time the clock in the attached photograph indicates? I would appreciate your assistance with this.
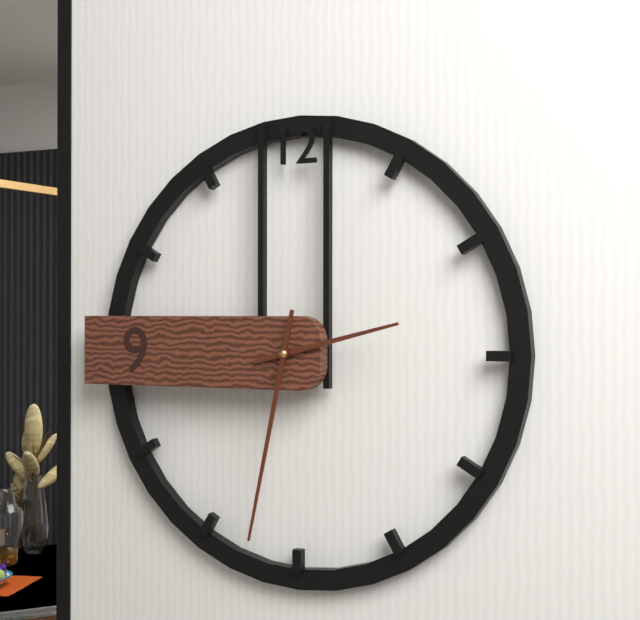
2:32
